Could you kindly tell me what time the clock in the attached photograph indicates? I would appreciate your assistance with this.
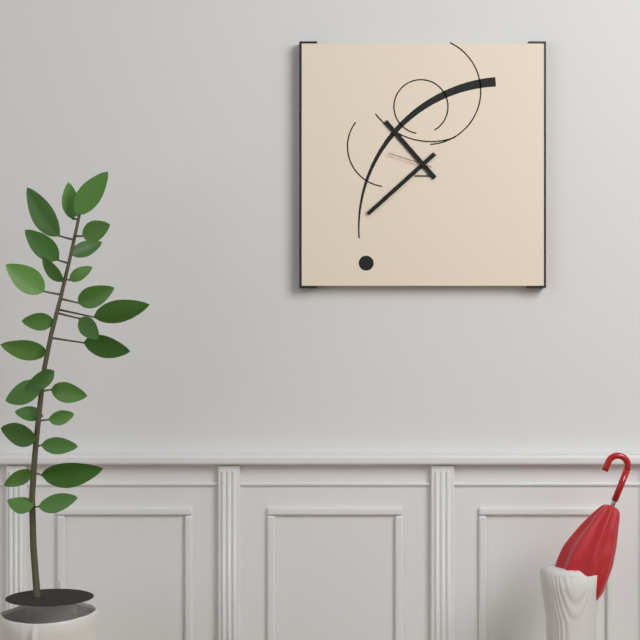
10:38
